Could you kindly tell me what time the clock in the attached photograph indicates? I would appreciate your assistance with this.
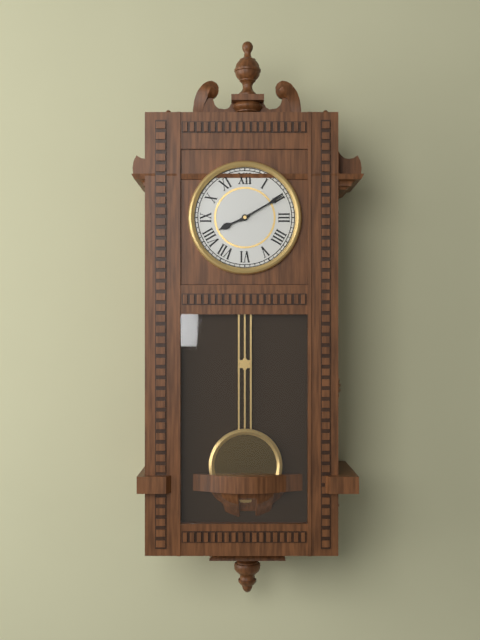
8:10
